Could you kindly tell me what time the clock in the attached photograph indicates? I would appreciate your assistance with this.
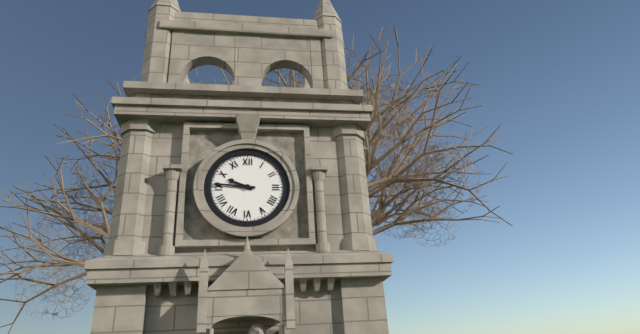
9:46
